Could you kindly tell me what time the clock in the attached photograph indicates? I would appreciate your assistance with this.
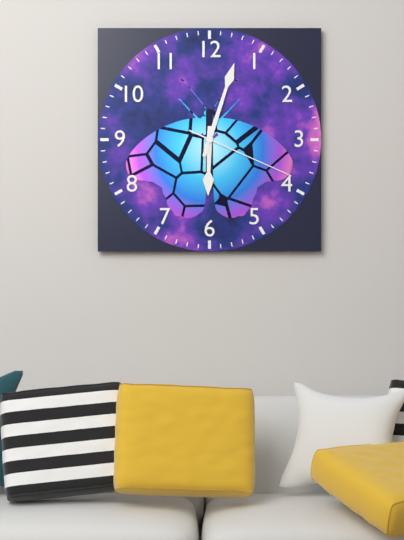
6:03:19
